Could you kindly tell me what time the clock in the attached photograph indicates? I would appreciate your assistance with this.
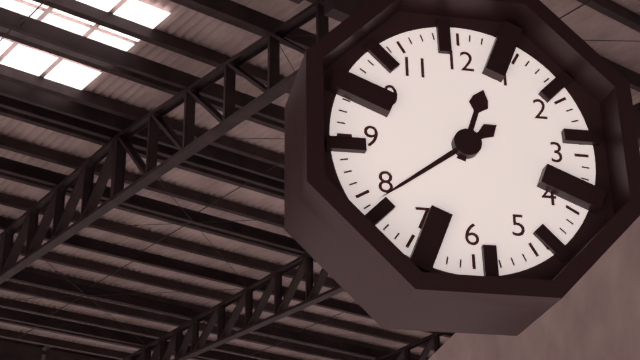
12:39
